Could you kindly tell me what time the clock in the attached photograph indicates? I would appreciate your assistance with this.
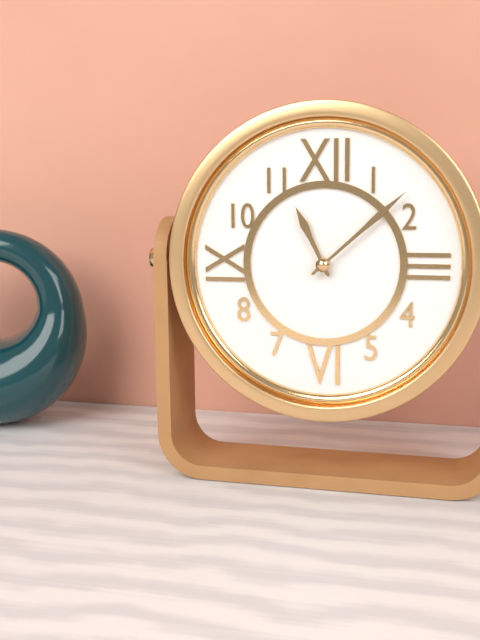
11:08
